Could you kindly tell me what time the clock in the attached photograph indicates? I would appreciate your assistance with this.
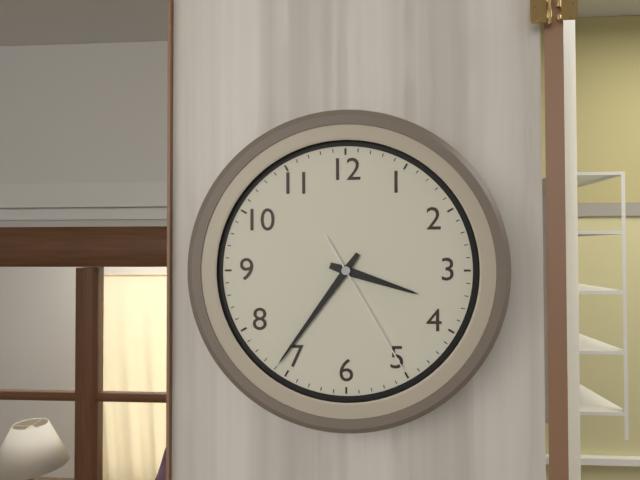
3:36:25
